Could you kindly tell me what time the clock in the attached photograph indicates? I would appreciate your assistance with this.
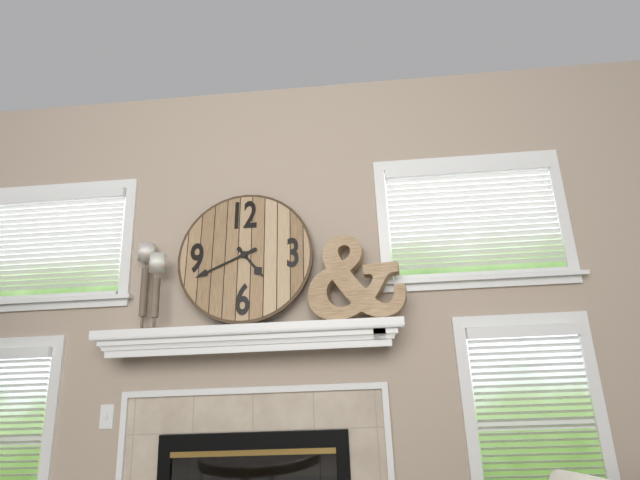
4:41
